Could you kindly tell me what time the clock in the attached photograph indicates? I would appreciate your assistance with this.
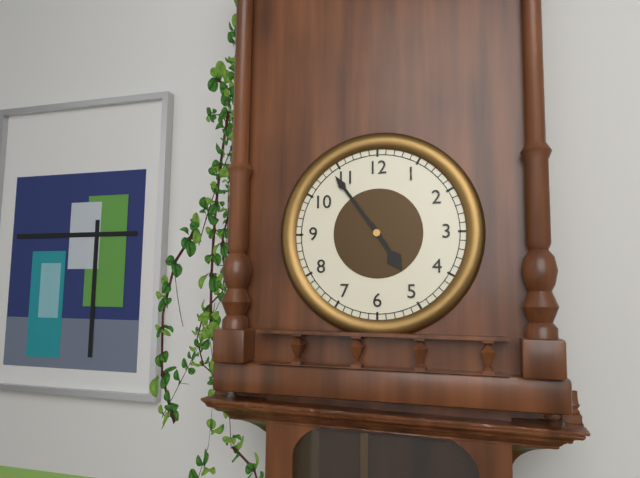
4:54
